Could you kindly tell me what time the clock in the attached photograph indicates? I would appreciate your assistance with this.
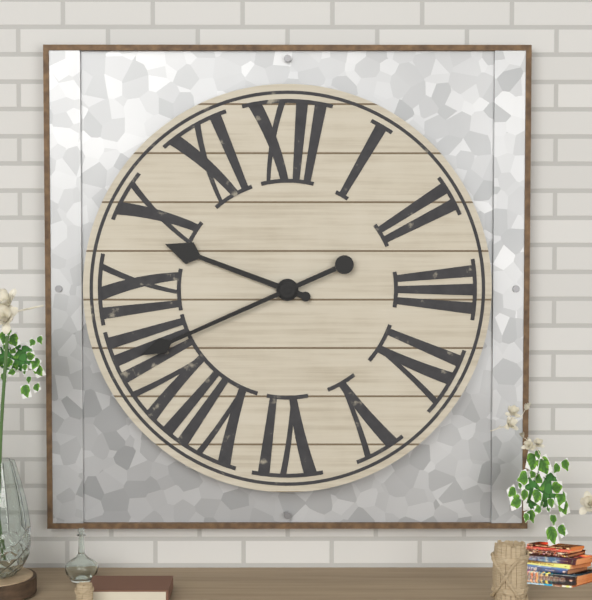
9:41
